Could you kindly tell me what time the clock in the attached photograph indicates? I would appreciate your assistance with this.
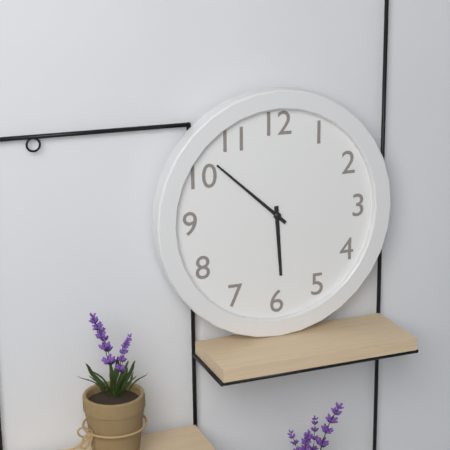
5:52
